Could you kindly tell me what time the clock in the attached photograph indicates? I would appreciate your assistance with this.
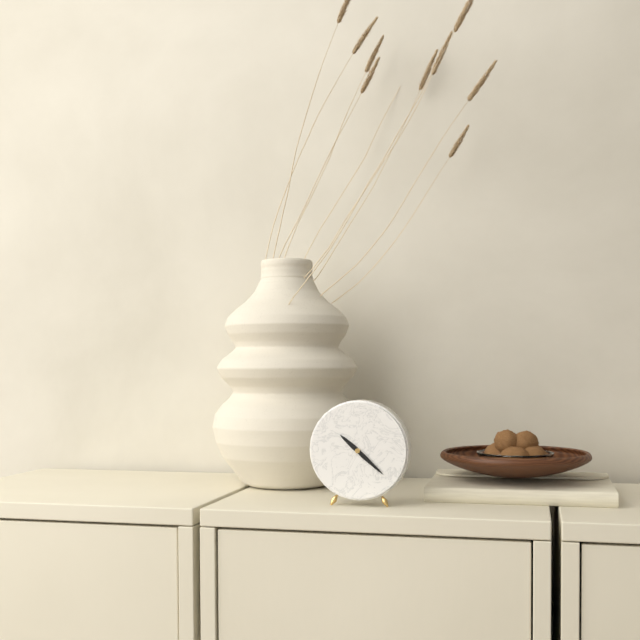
10:22
